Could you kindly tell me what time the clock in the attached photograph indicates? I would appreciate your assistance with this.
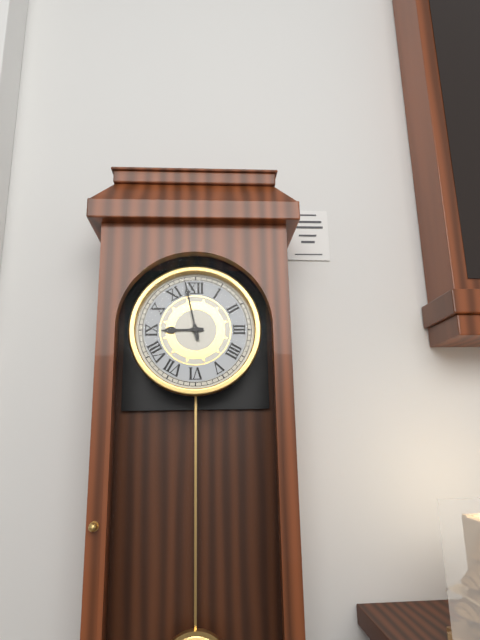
8:58
